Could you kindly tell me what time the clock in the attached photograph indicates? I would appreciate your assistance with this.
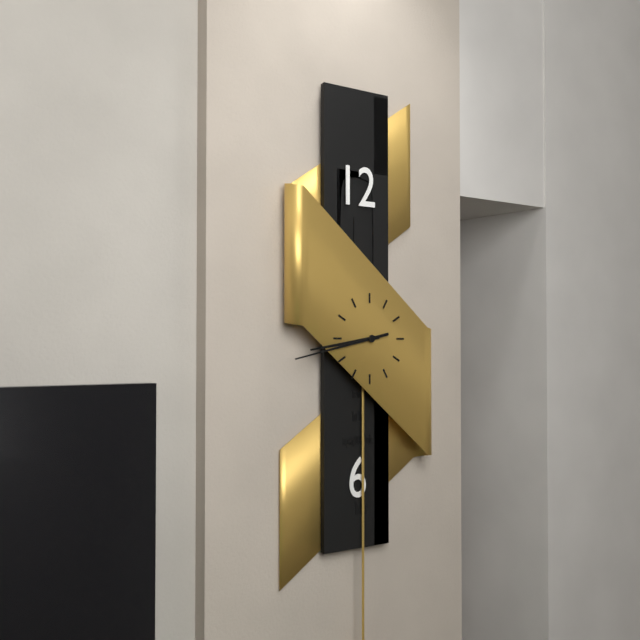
8:43
